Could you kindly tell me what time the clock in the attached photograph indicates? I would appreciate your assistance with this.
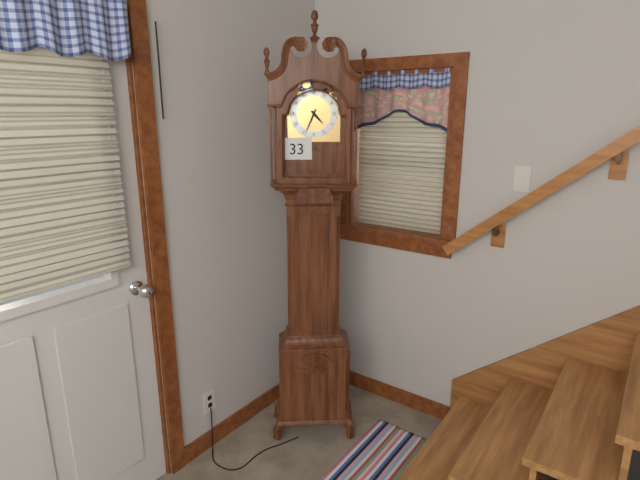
4:34
